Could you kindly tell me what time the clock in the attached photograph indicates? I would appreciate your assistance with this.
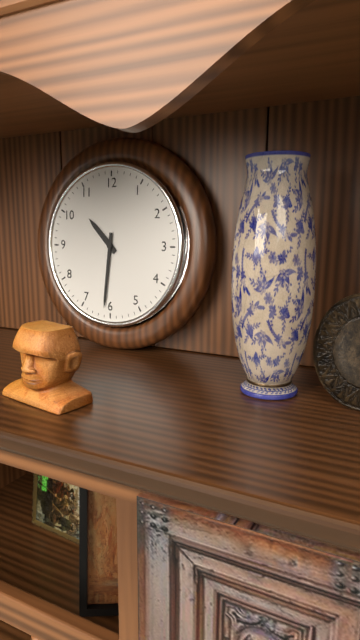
10:31
